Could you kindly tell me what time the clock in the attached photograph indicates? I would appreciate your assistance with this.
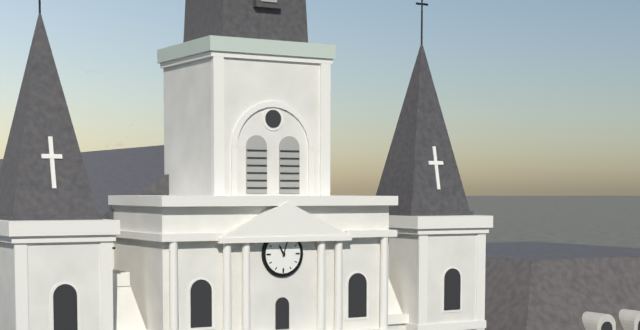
11:03
